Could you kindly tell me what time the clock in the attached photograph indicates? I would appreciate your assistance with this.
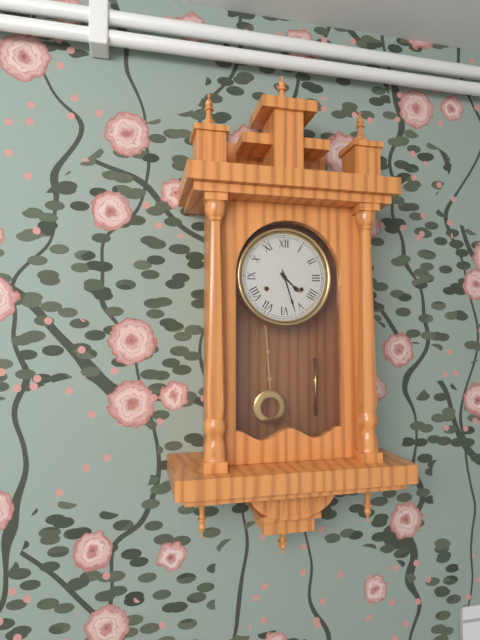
4:27
